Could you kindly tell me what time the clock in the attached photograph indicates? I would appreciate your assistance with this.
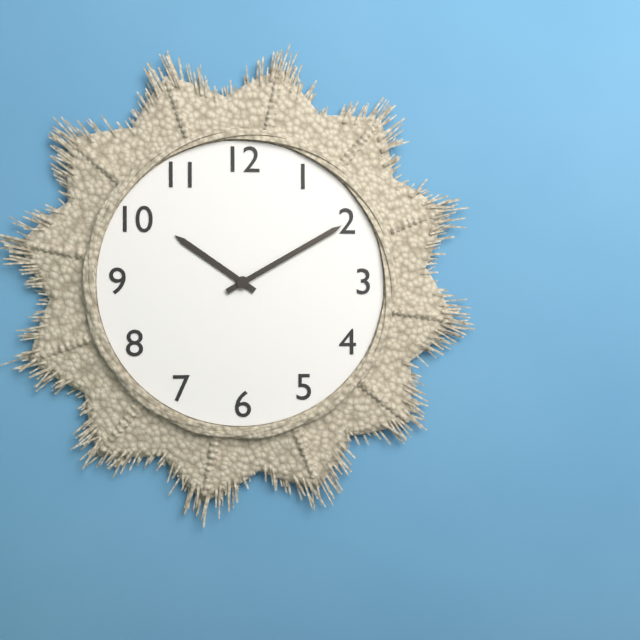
10:10
